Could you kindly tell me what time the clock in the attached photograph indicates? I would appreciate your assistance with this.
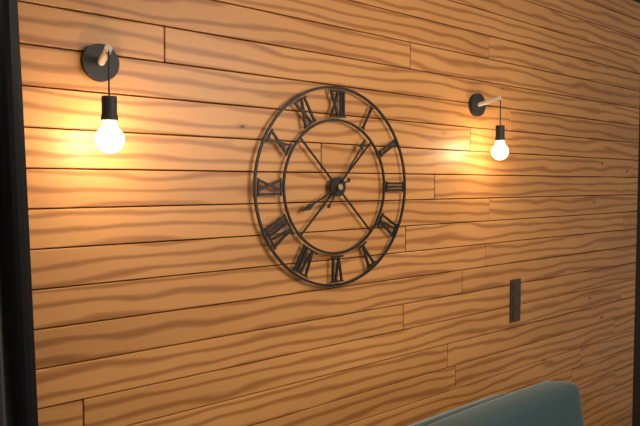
8:06
